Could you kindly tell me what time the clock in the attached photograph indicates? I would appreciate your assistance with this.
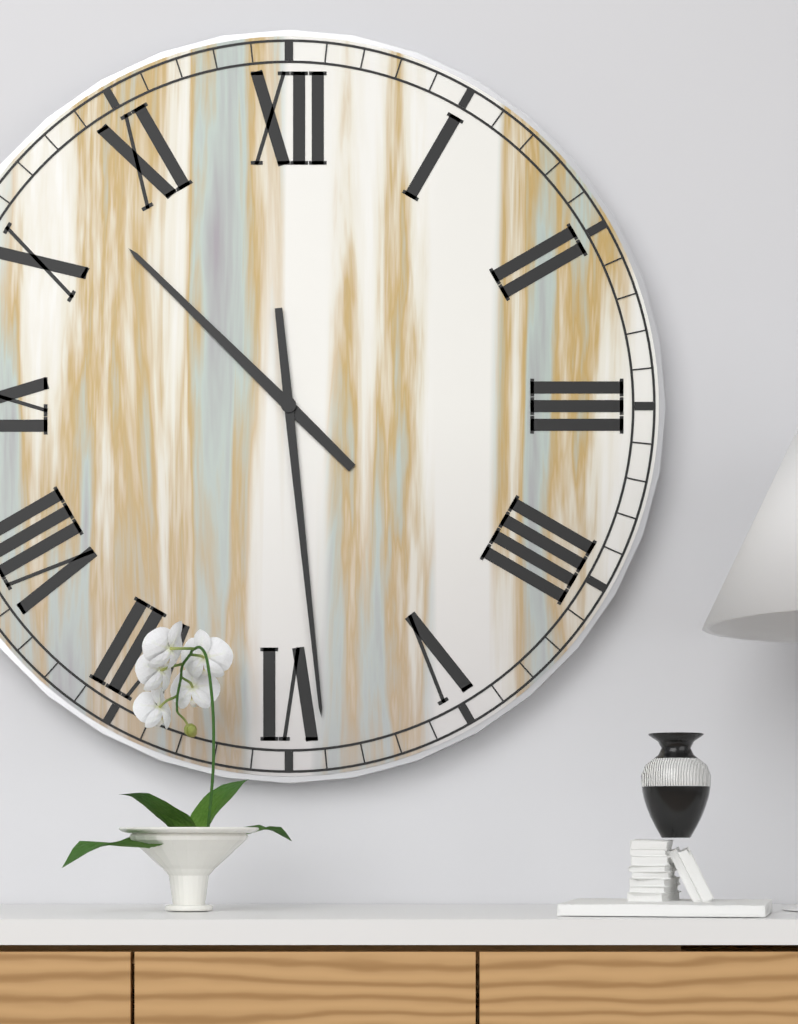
10:29
